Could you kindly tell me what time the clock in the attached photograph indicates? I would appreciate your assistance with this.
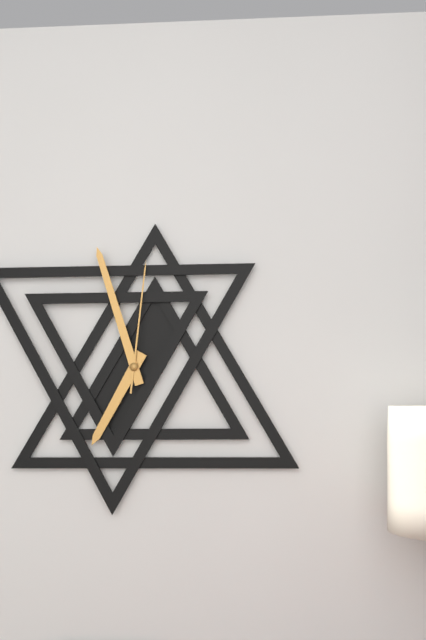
6:57:01
